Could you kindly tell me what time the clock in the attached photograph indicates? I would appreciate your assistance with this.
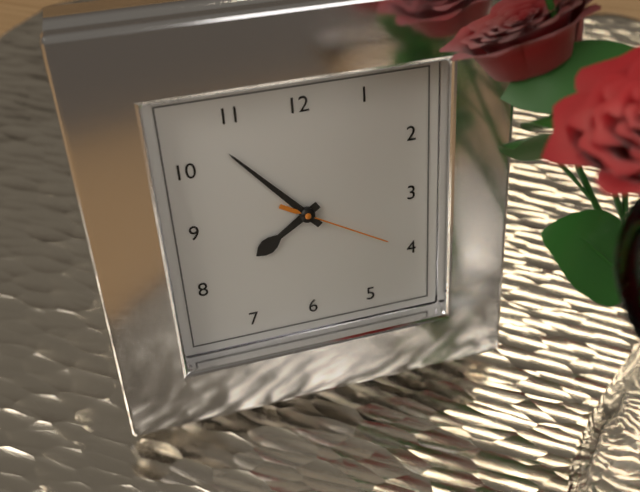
7:53:20
